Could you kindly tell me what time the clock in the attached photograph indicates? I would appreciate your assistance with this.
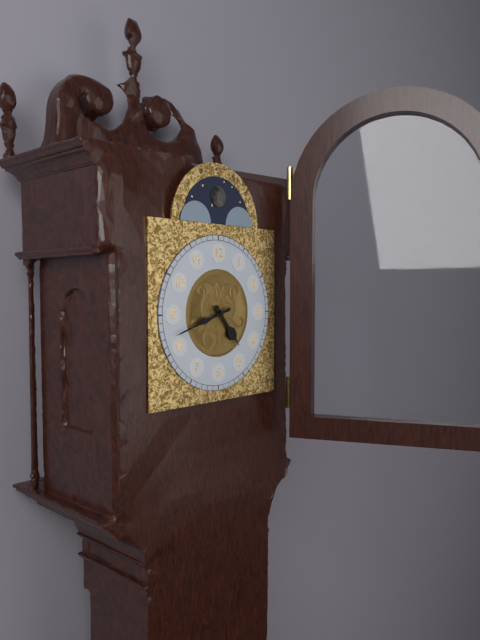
4:42
